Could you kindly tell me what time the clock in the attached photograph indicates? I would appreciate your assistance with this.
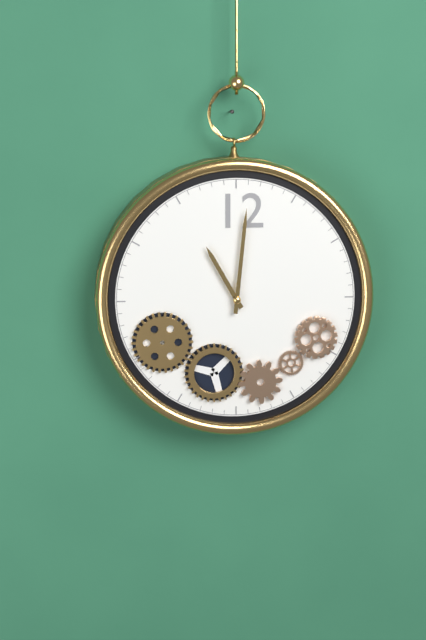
11:01
